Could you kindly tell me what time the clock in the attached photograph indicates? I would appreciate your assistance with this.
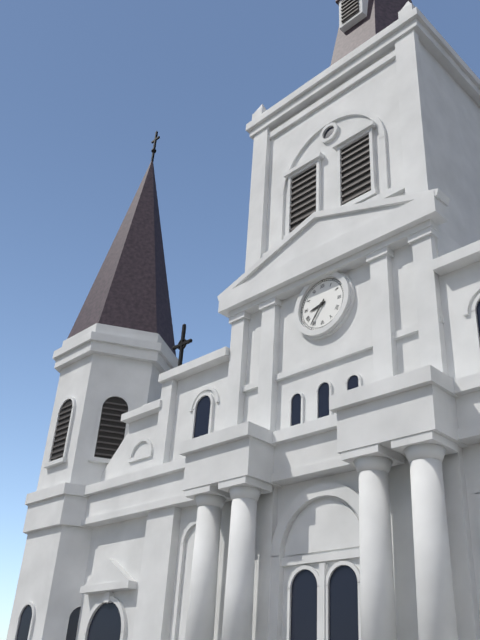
8:36
